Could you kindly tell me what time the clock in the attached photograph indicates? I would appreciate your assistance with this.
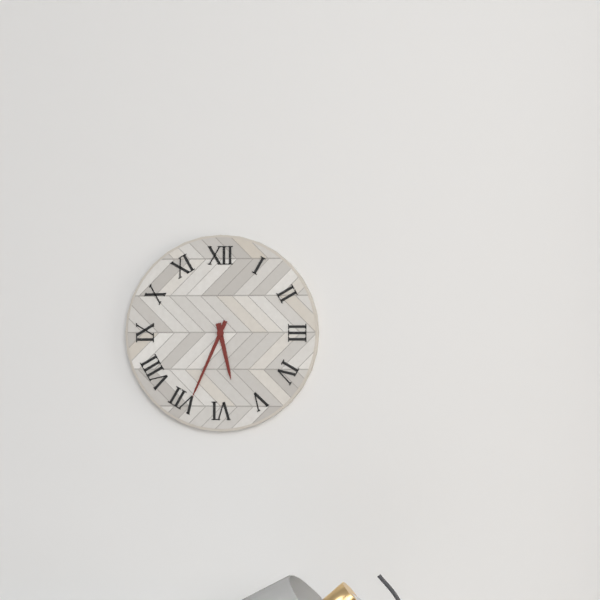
5:34
